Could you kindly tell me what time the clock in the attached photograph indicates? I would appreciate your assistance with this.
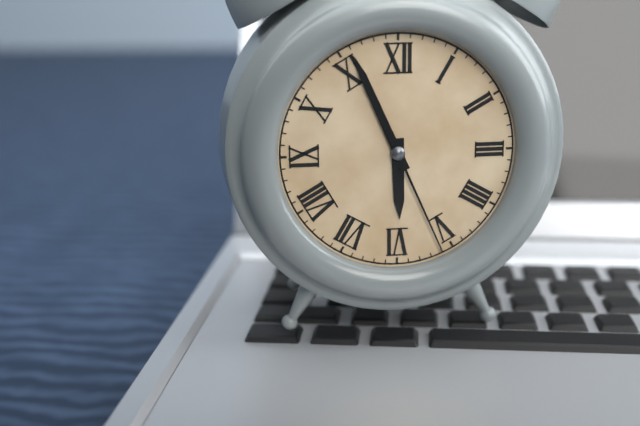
5:56:26
